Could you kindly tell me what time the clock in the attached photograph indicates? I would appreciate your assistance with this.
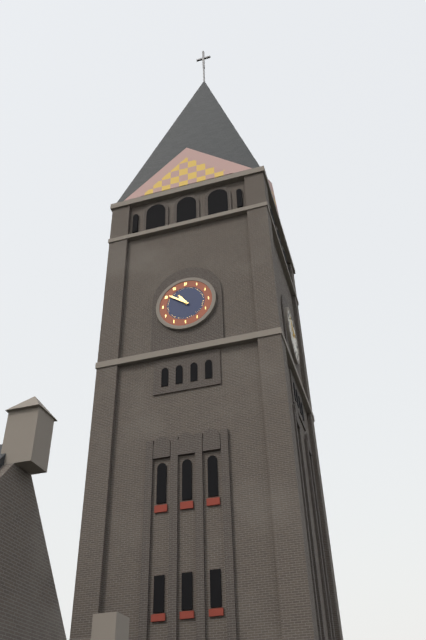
10:51
